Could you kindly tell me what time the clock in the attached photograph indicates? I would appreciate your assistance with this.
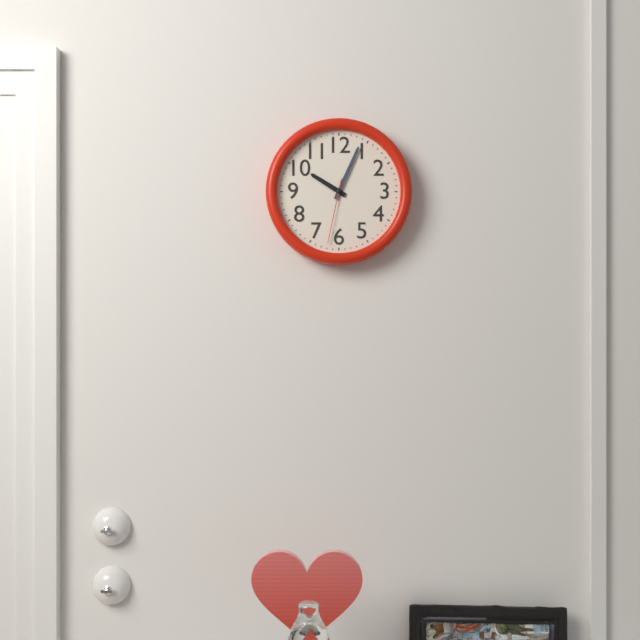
10:04:32
